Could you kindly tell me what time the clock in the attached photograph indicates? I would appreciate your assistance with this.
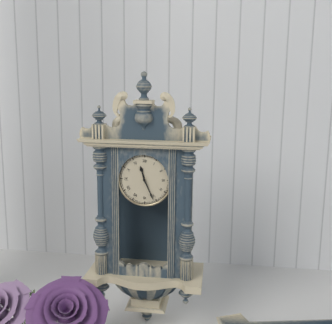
11:26
